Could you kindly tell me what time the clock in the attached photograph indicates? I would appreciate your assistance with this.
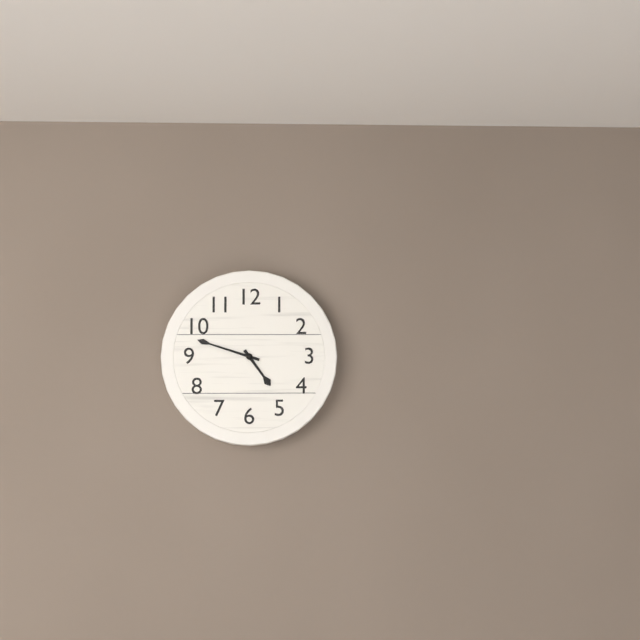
4:48
